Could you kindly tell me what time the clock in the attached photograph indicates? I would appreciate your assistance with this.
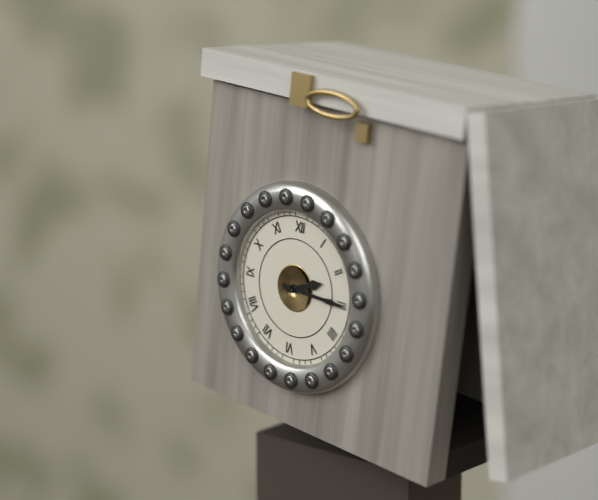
2:15
